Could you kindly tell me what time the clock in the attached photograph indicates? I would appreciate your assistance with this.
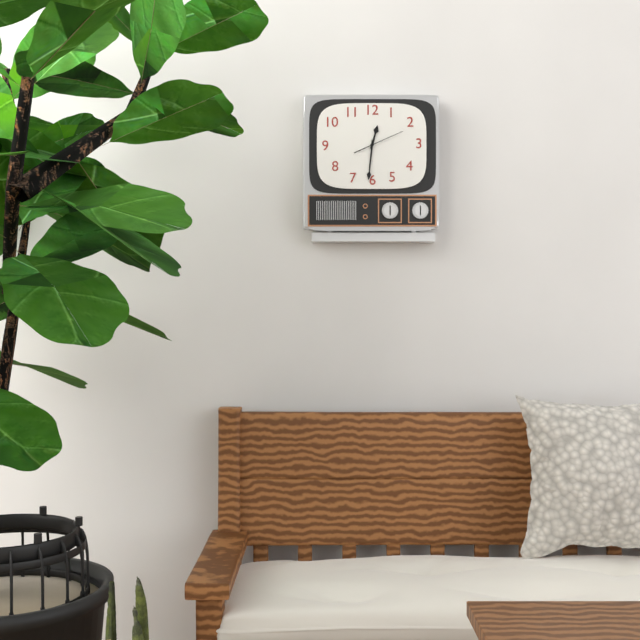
12:31
